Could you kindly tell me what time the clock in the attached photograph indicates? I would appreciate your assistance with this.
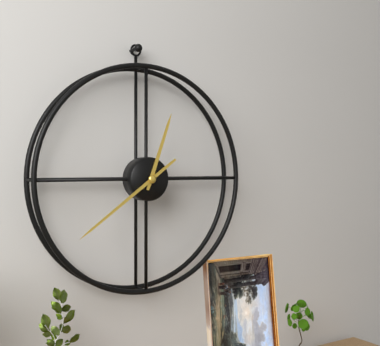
12:39
